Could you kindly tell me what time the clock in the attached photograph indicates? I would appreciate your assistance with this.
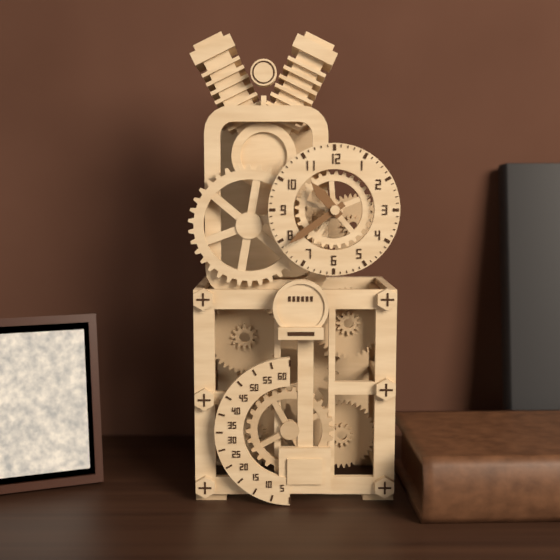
10:39
